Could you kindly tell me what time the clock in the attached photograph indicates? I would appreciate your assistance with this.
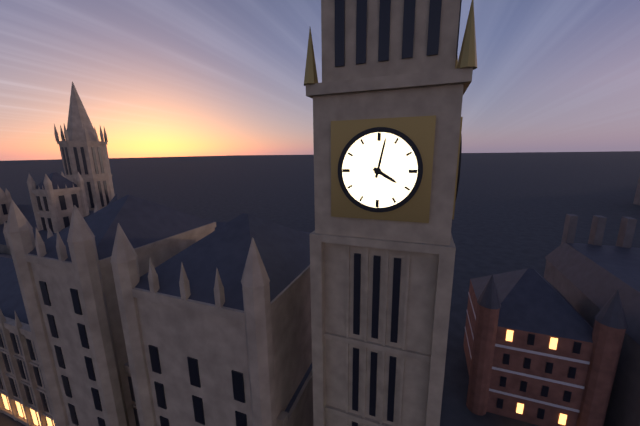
4:02
